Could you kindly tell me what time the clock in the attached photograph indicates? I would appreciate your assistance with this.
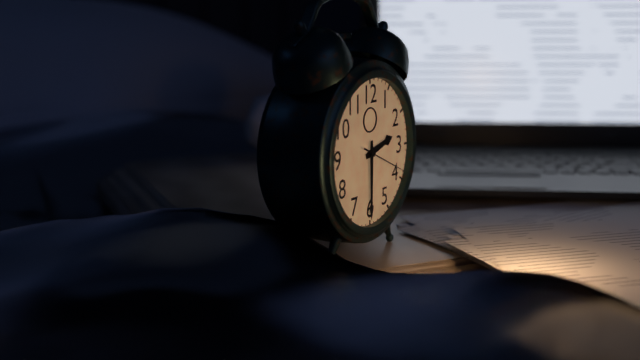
2:30
